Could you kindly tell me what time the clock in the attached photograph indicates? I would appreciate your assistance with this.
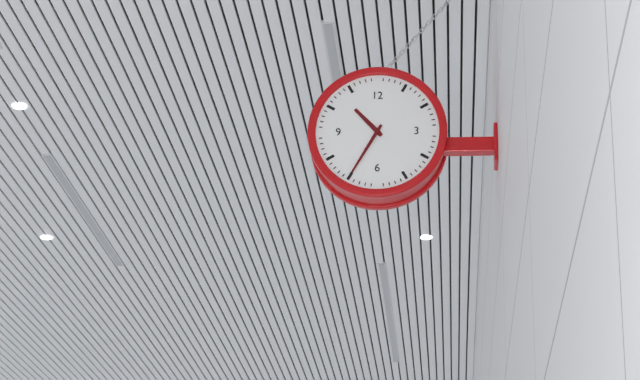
10:35
